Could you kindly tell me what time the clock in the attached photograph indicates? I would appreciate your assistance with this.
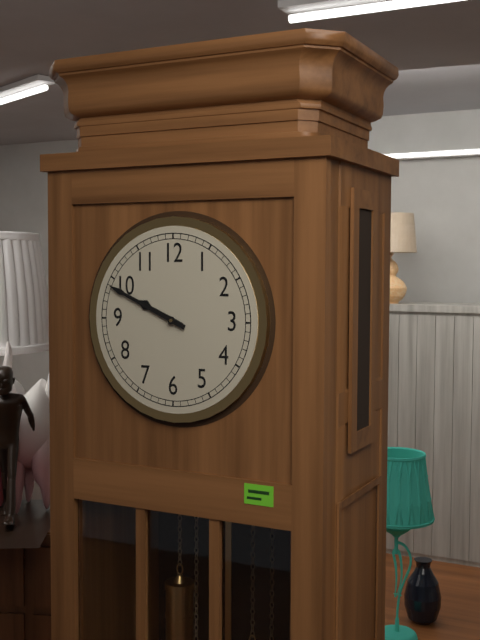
9:49
